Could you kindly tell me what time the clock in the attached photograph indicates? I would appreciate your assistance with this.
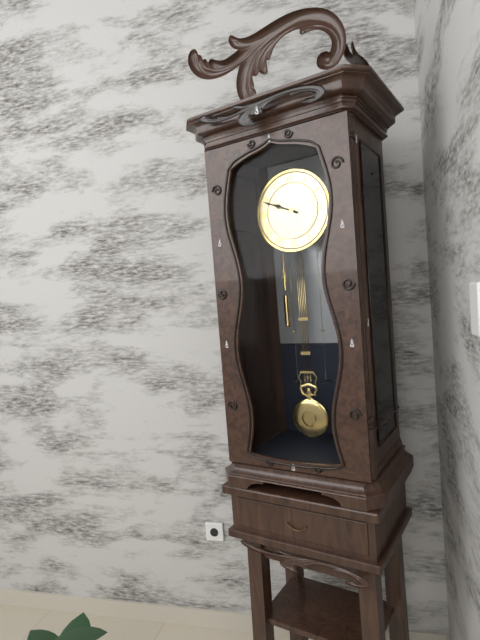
9:49
